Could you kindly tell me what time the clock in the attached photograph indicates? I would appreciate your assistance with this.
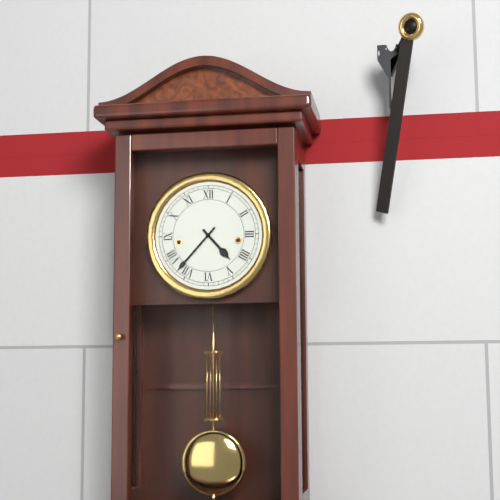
4:37
